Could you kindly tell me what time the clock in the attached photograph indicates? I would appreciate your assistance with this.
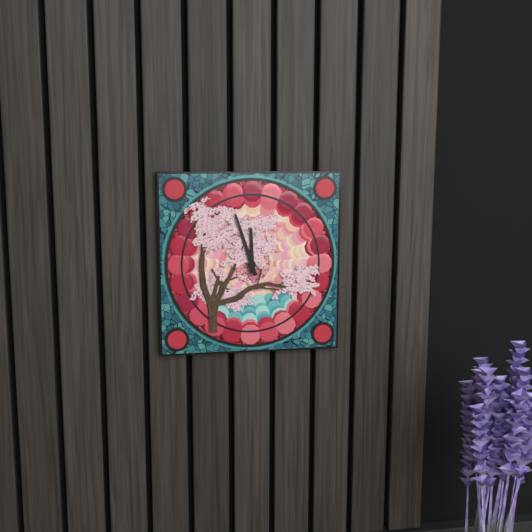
11:57
